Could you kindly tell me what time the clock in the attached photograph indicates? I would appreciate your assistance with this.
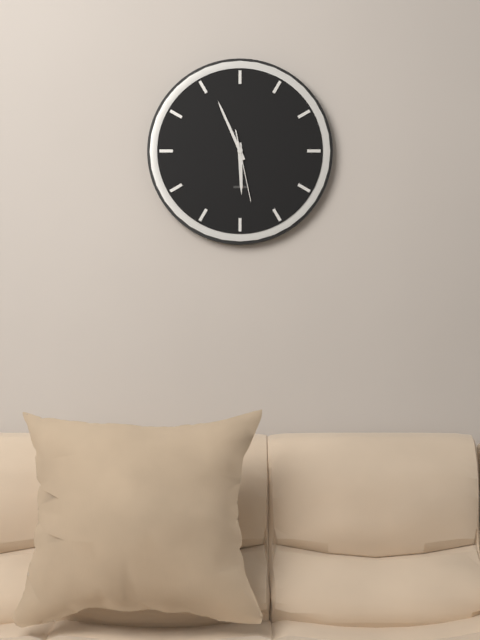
5:56:28
